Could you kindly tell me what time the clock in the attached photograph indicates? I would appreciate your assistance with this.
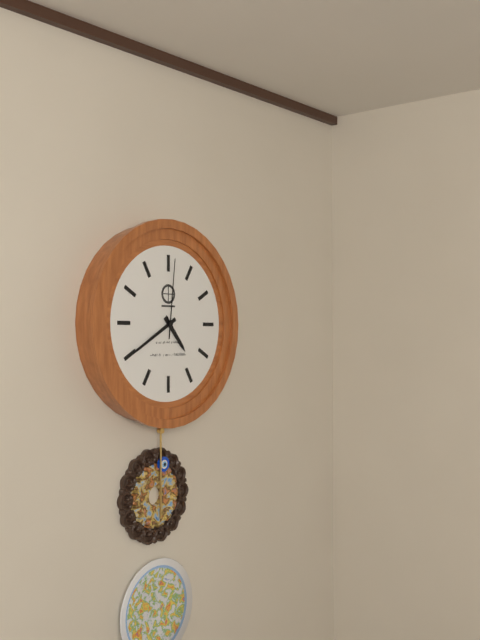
4:40:01
